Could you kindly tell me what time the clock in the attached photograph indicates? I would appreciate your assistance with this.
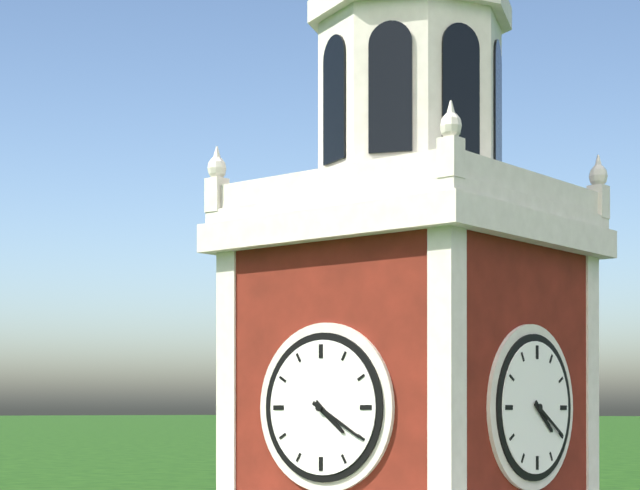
4:20
